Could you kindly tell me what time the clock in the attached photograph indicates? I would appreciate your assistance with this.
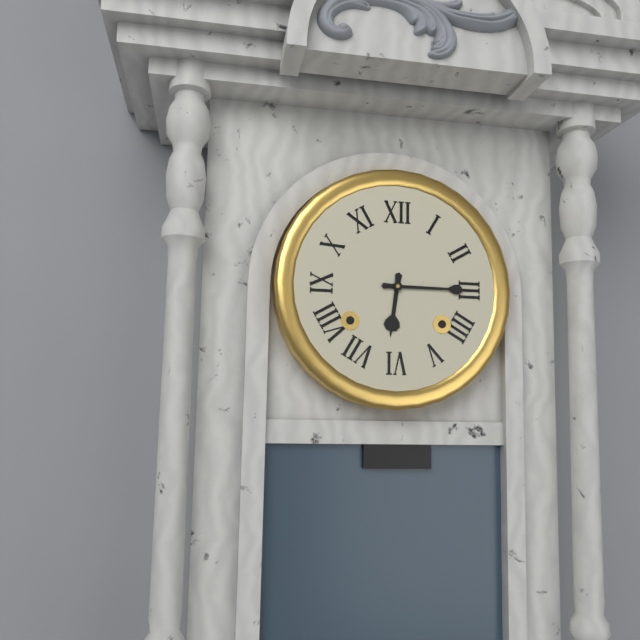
6:15
